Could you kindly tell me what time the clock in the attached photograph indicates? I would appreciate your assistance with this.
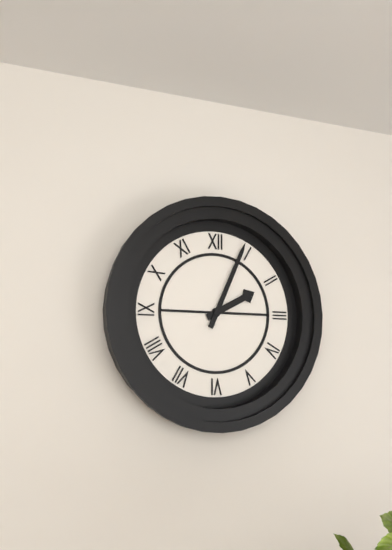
2:04
